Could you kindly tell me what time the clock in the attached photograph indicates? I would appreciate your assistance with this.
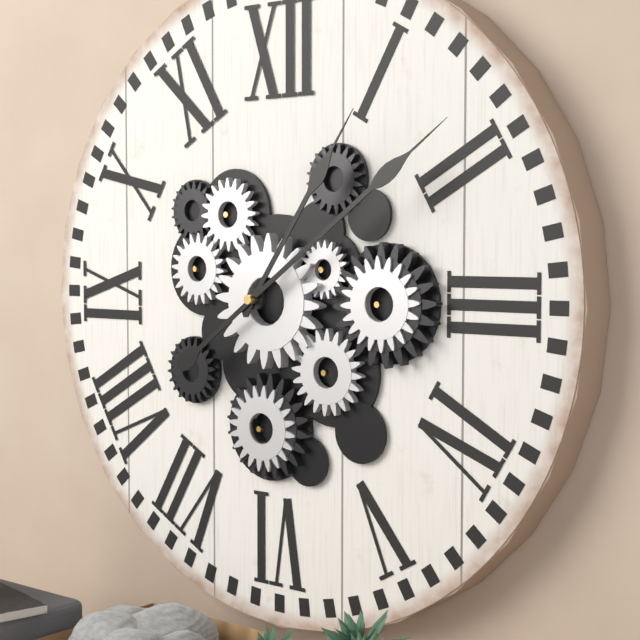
1:09
